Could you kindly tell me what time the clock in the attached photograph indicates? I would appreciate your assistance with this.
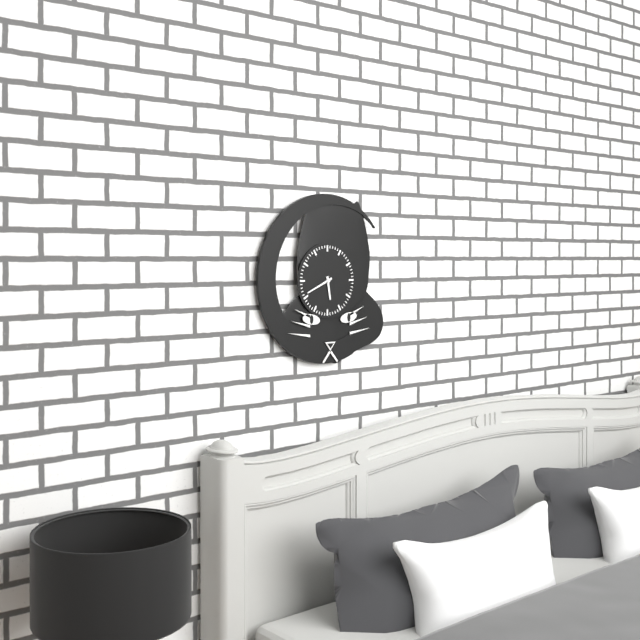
5:41
